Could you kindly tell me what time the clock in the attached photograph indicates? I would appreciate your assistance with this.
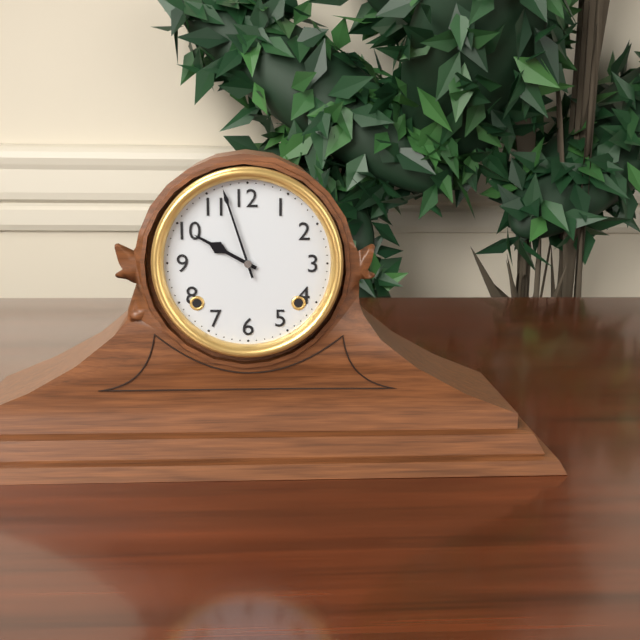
9:57
